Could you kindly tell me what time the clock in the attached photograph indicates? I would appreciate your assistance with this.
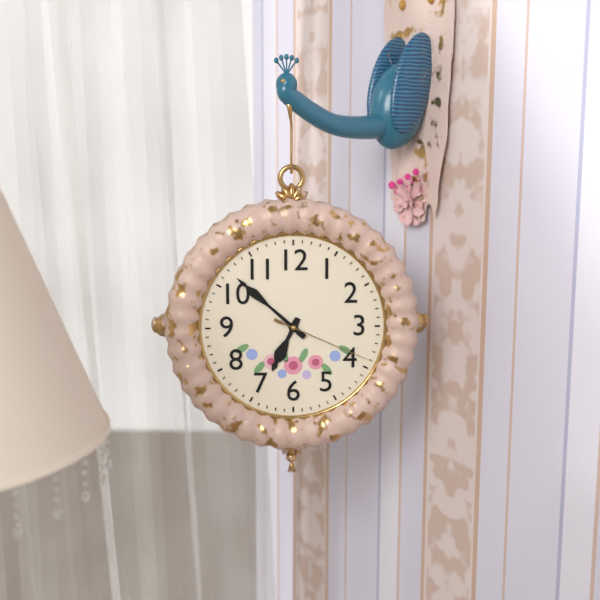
6:52:19
